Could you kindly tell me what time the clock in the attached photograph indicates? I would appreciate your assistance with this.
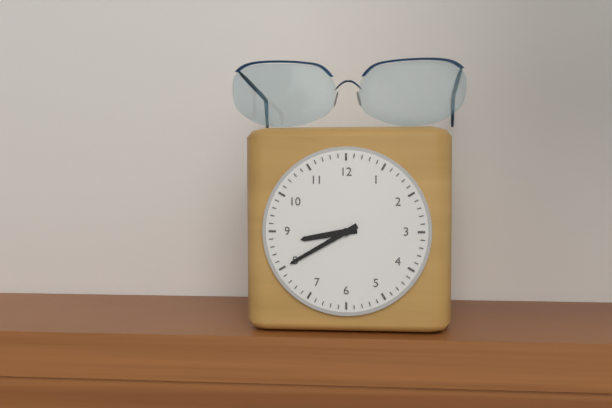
8:40
